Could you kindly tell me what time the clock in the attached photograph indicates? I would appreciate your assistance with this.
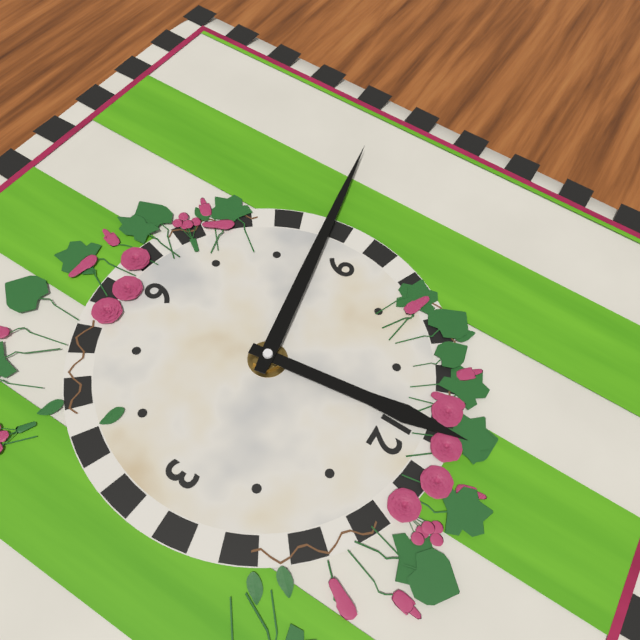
11:43
